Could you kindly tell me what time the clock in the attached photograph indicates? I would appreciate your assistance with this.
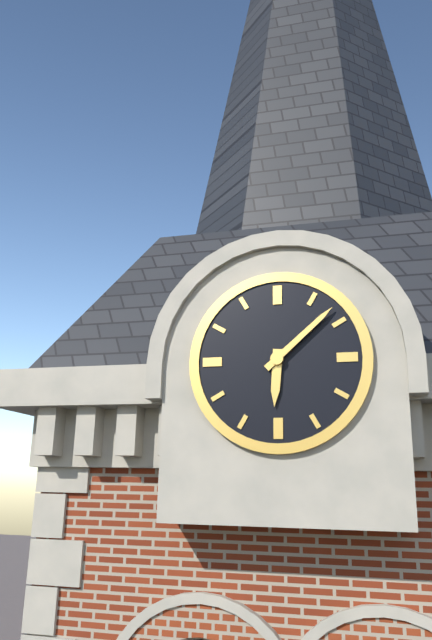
6:08
